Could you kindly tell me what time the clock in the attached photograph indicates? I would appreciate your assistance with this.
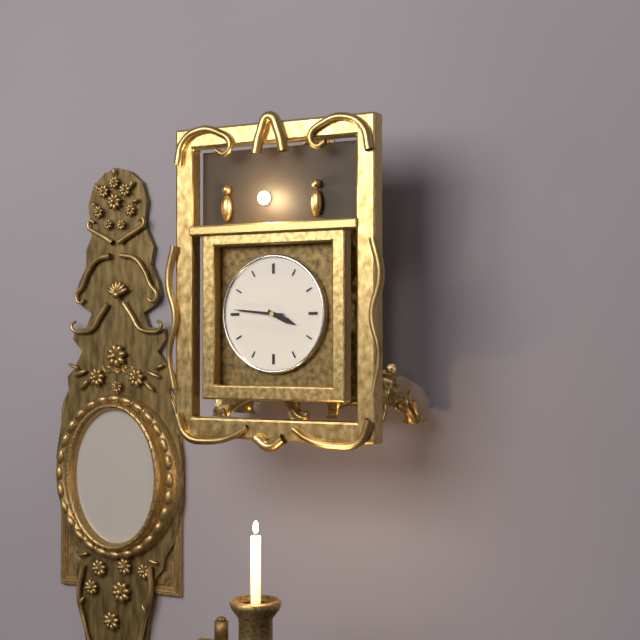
3:46
